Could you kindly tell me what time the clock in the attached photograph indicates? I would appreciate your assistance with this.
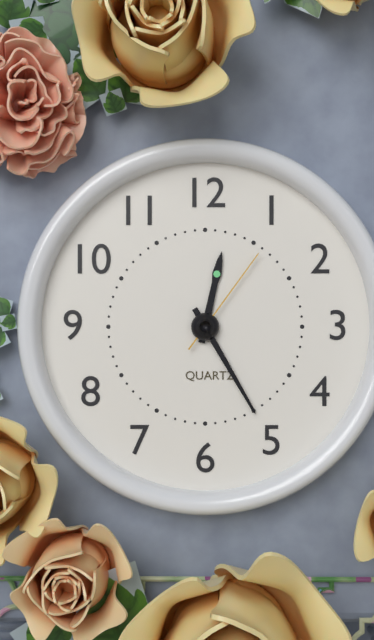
12:25:06
